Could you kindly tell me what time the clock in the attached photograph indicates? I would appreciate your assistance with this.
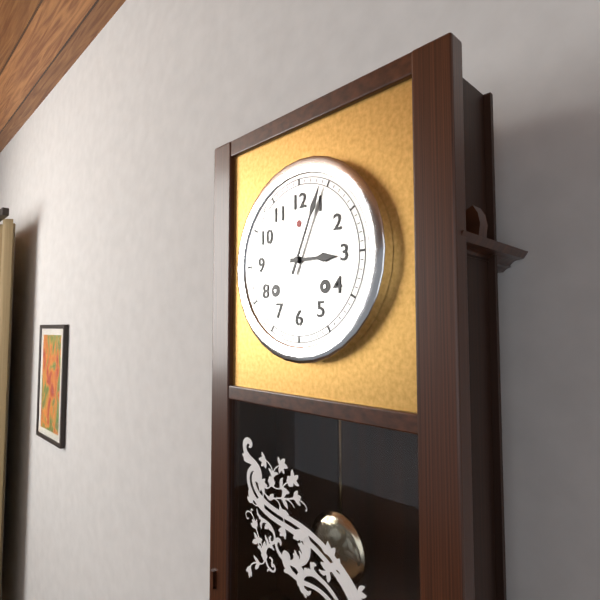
3:04
